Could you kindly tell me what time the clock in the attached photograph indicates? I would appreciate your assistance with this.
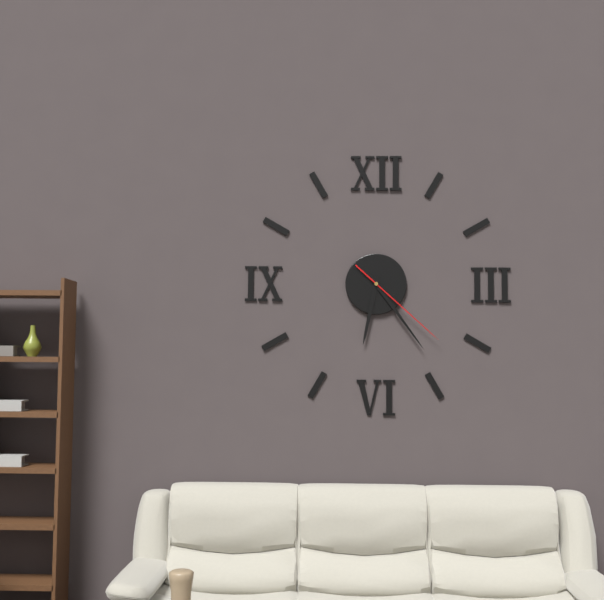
6:24:22
